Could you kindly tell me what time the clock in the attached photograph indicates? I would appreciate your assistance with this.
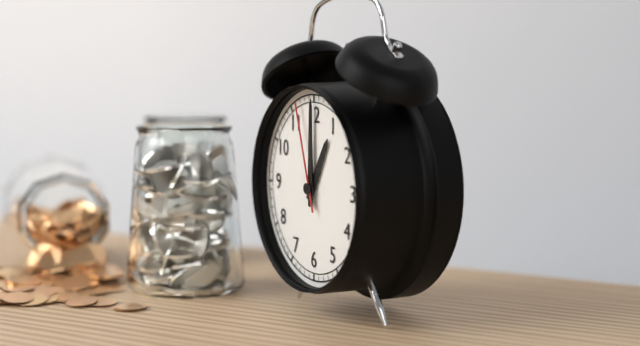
1:00:57
